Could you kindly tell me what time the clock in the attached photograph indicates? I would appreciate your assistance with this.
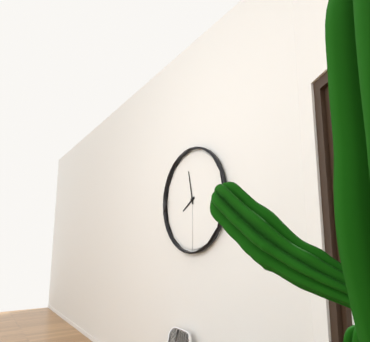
7:58
